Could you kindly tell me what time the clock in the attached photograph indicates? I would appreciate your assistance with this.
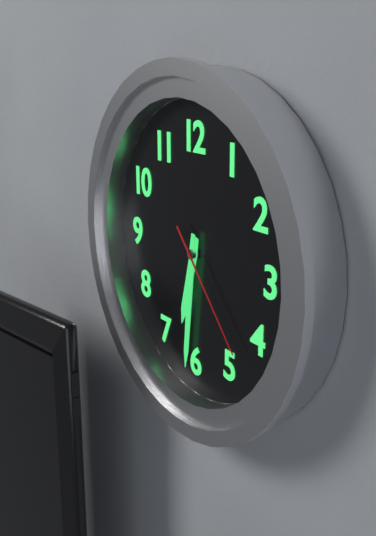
6:31:23
